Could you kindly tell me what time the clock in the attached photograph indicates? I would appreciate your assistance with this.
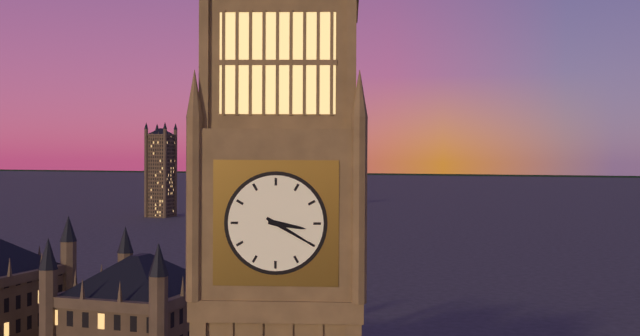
3:20
